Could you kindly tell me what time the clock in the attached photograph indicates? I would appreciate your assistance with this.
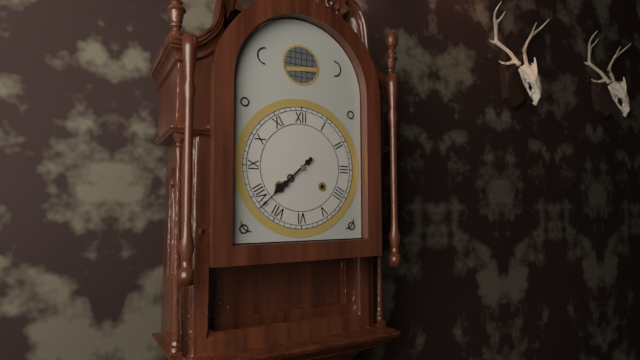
7:38
